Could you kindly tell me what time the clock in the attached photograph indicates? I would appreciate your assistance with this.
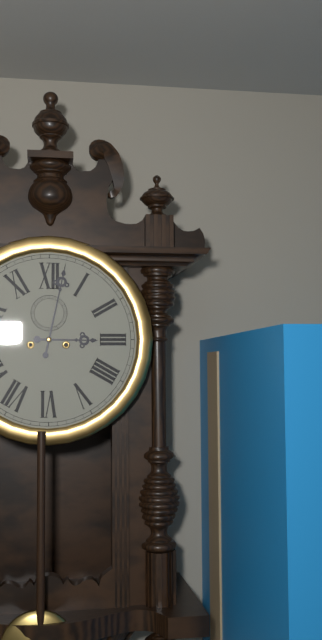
3:02
